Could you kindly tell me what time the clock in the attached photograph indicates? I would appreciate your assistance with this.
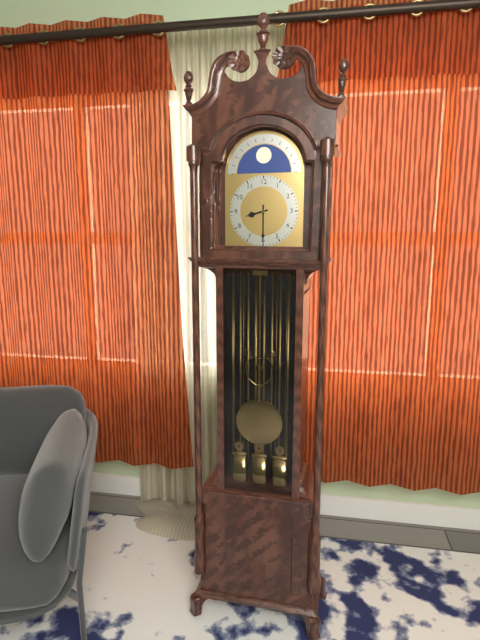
8:30
